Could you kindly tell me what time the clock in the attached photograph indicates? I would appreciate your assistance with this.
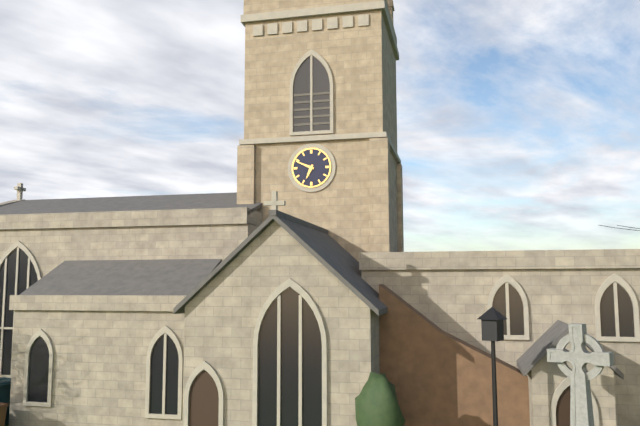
6:49
